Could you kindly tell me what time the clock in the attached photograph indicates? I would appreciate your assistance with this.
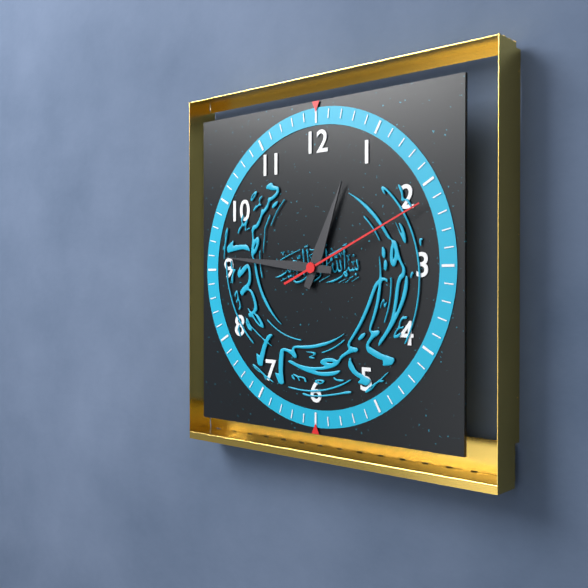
12:46:11
